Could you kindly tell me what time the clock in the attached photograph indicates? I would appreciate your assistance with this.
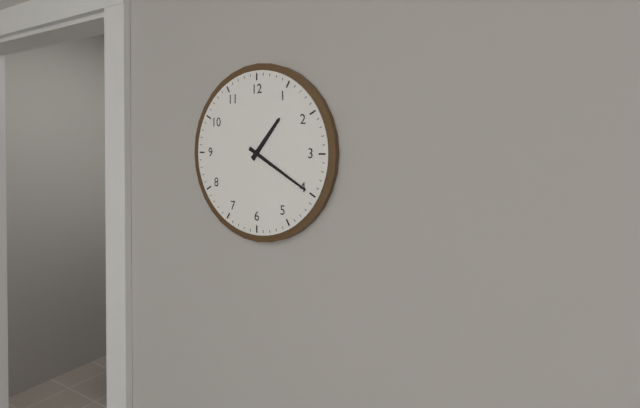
1:20
